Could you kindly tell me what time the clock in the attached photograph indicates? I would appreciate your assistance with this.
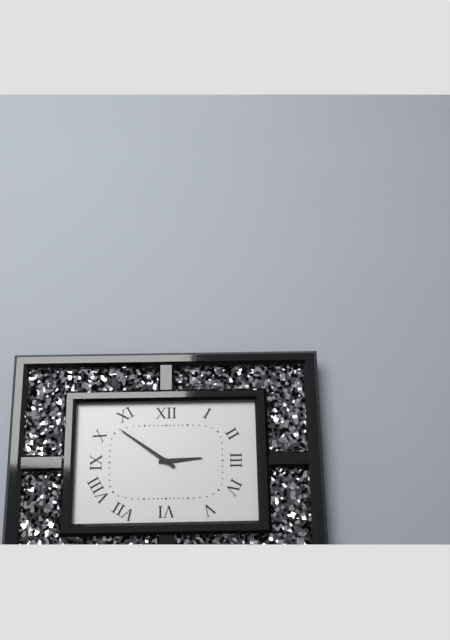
2:51
